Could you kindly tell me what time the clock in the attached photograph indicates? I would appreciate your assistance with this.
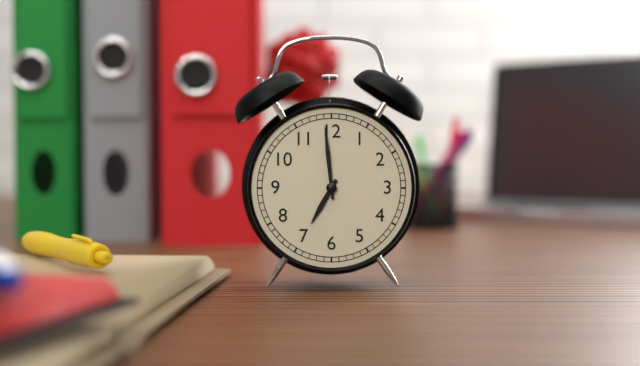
6:59
